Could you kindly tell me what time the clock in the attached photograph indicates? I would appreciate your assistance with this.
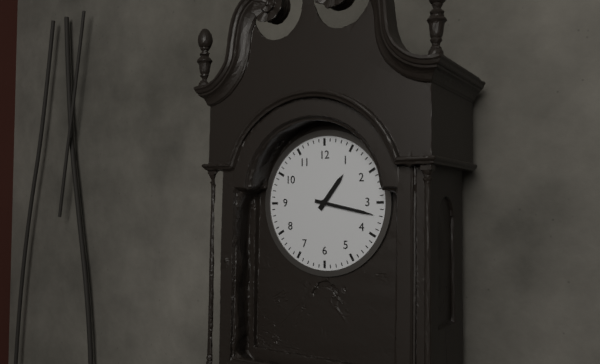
1:17
